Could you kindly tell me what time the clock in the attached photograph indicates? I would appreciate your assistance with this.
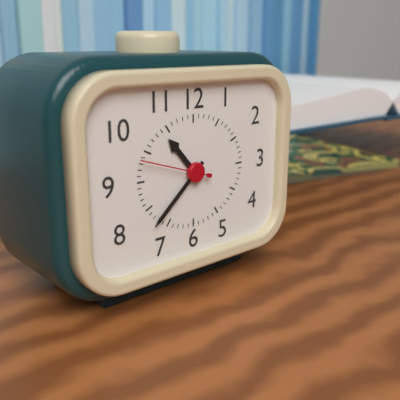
10:38:48
